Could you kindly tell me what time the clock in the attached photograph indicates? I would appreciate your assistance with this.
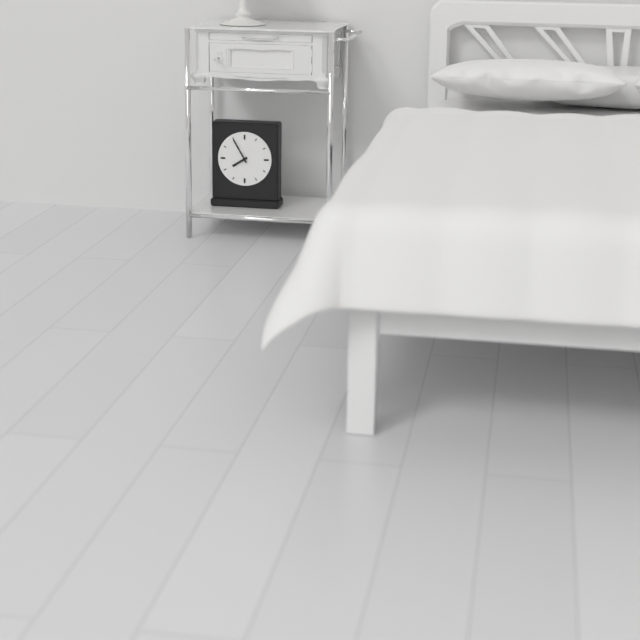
7:55
